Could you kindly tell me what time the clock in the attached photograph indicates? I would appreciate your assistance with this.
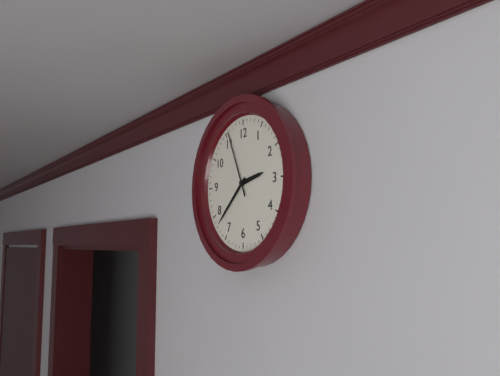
2:38:56
